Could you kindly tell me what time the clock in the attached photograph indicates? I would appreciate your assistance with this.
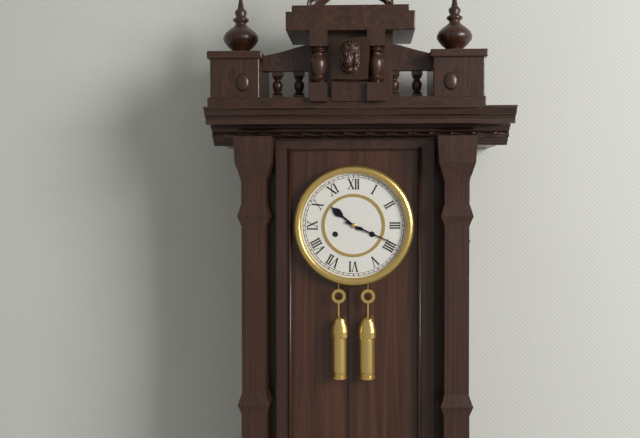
10:19
